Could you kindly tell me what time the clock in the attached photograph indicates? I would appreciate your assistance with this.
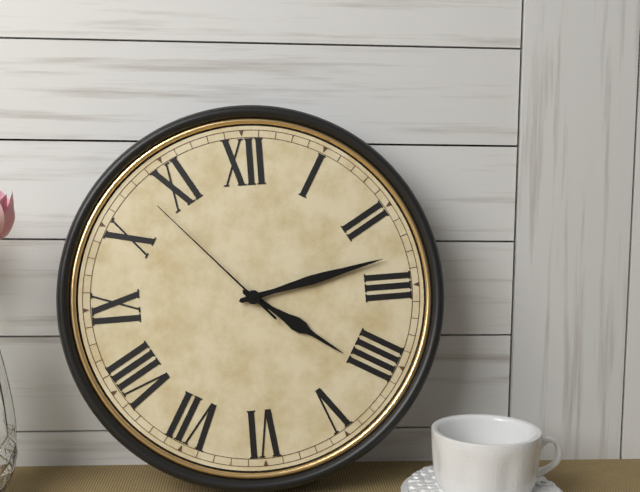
4:13:53
